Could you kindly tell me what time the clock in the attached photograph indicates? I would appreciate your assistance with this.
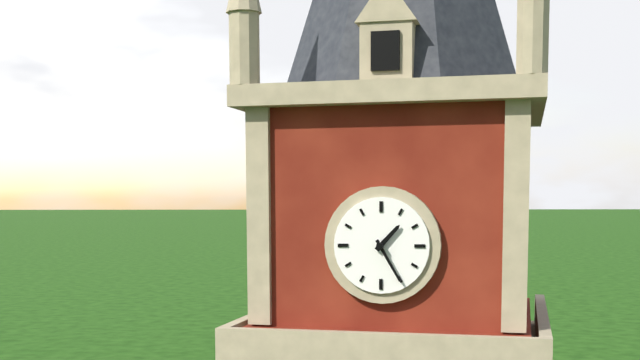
1:25
